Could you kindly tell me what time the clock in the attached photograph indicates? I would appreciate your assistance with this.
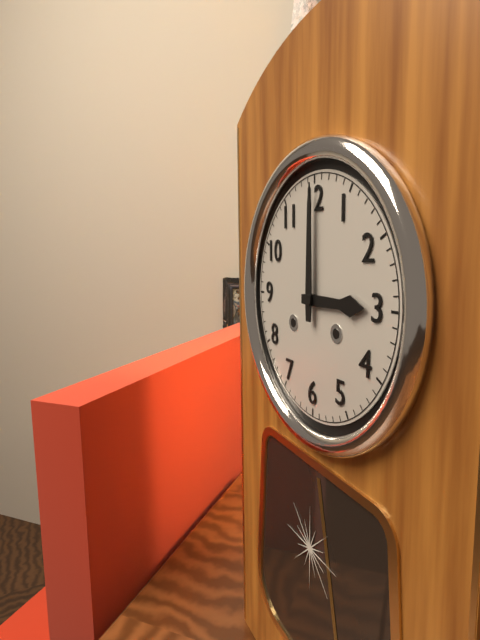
3:00
